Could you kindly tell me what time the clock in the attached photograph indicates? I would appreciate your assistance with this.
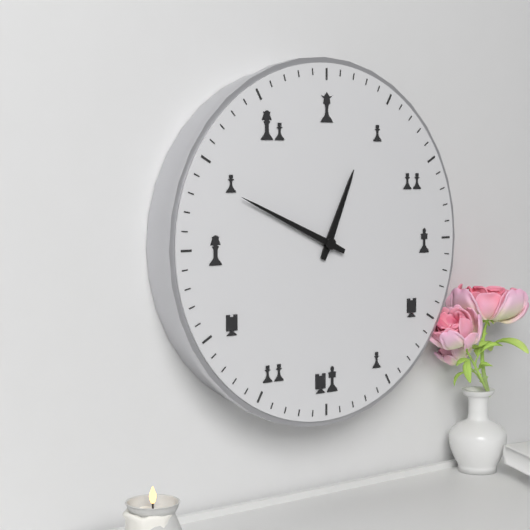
12:49
